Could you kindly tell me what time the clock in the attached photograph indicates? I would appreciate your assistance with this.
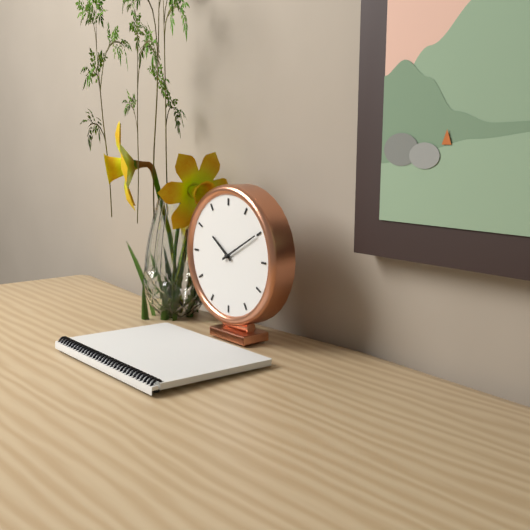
10:10
